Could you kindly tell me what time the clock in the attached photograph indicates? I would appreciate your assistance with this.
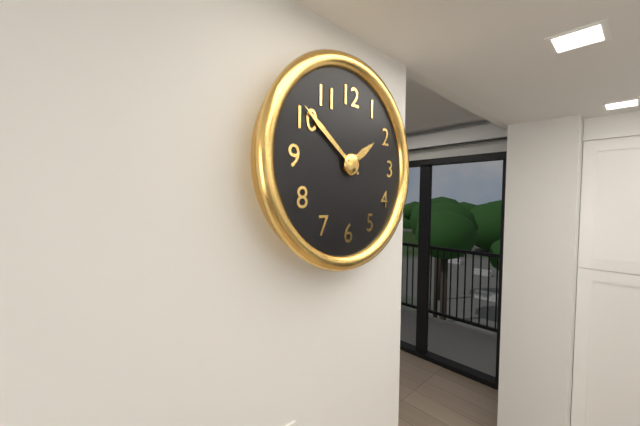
1:51
